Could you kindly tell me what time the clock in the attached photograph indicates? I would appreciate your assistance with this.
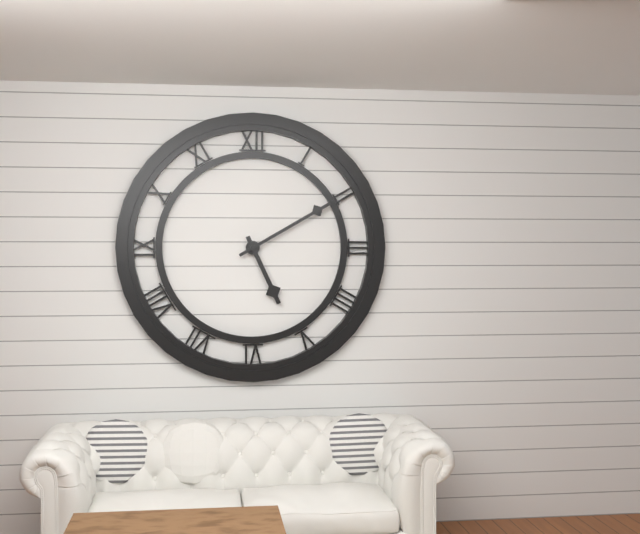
5:10
